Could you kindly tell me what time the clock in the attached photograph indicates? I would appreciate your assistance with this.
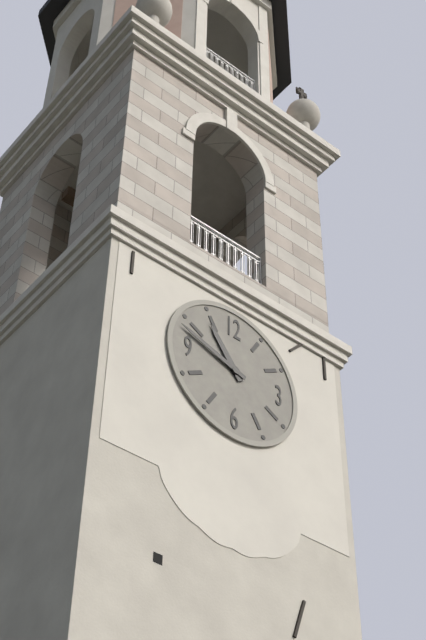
10:48
